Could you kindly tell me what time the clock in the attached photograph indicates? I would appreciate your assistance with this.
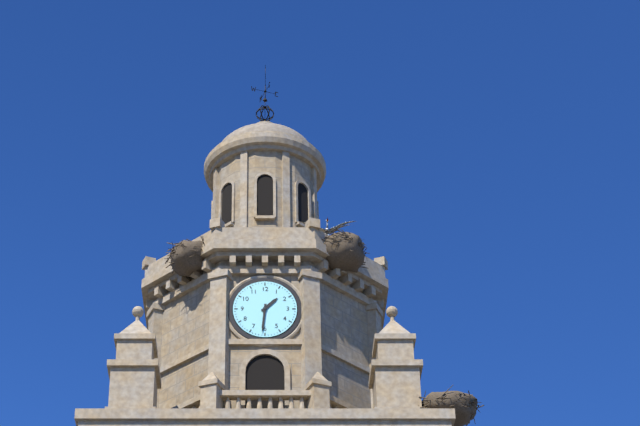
1:31
